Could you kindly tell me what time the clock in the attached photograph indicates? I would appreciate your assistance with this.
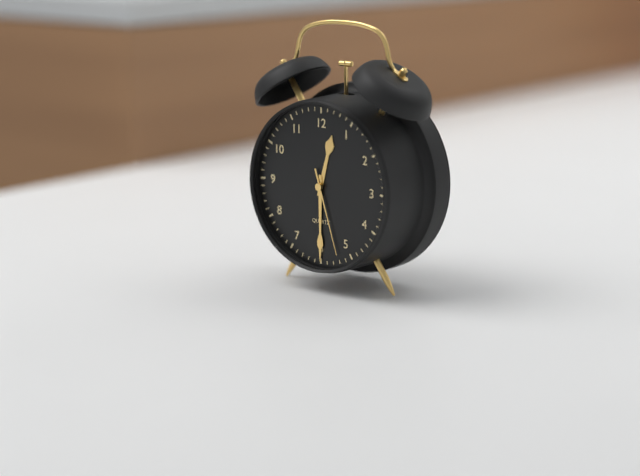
12:30:27
